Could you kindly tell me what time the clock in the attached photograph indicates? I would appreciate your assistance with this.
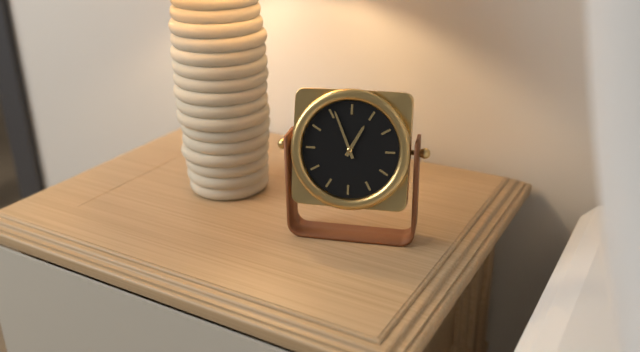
12:56
